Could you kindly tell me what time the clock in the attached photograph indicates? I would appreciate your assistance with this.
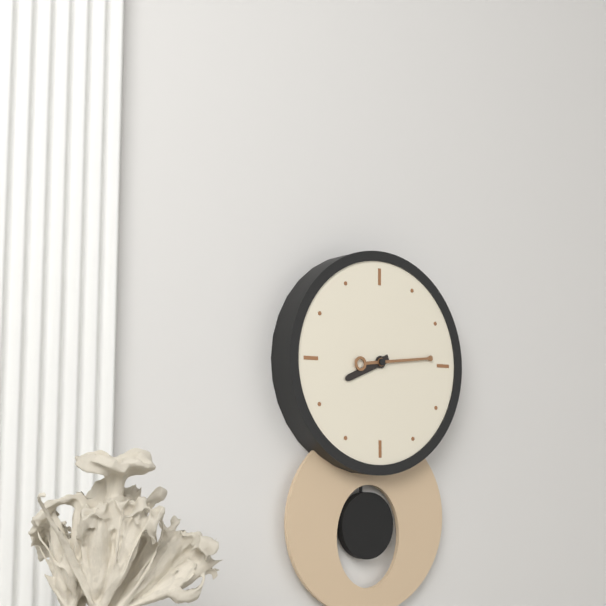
8:14
